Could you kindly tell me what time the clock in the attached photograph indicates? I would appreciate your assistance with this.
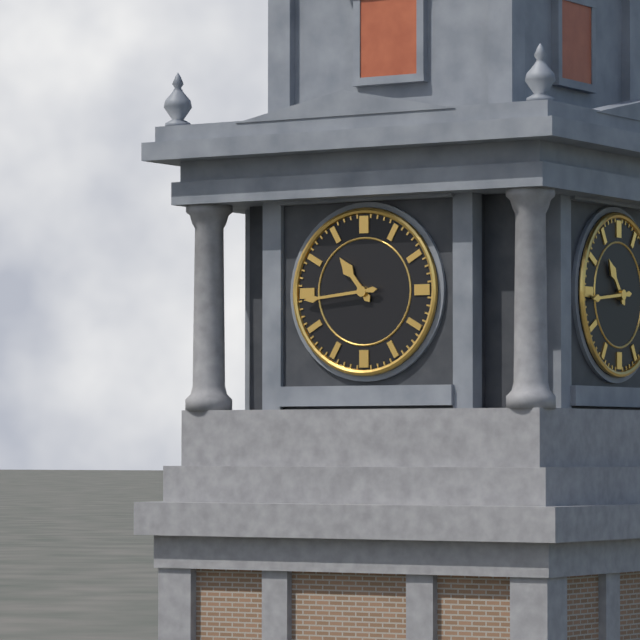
10:44
